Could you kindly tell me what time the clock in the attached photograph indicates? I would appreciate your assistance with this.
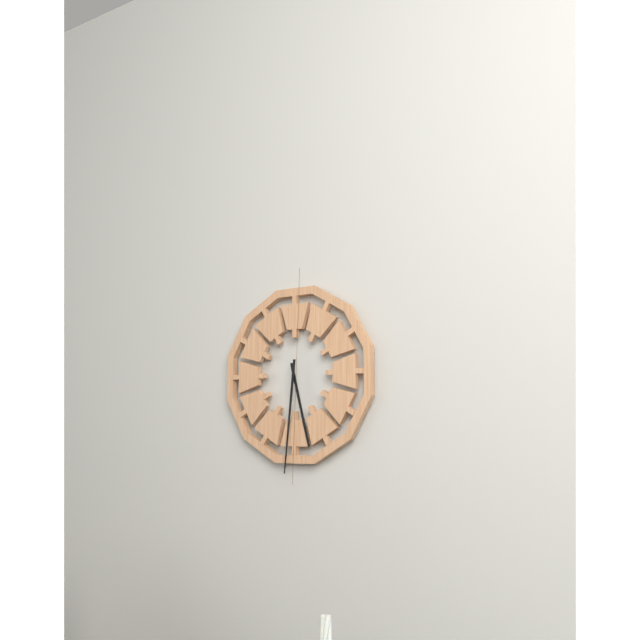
5:31
